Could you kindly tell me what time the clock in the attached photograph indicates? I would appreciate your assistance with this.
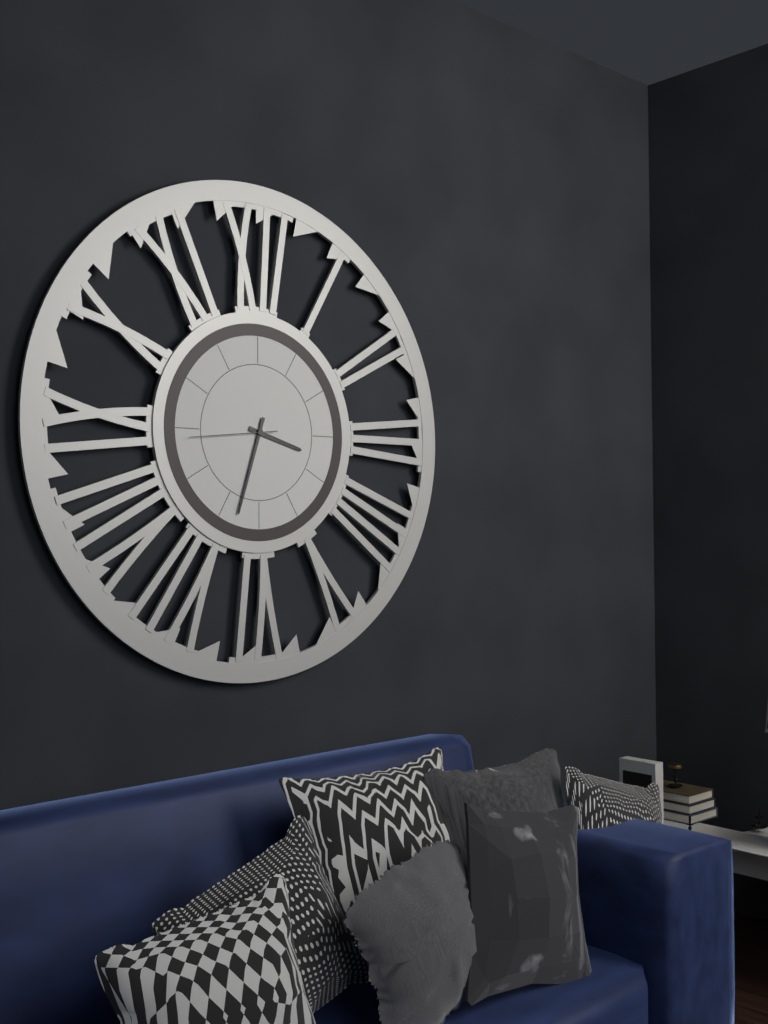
3:33:44
